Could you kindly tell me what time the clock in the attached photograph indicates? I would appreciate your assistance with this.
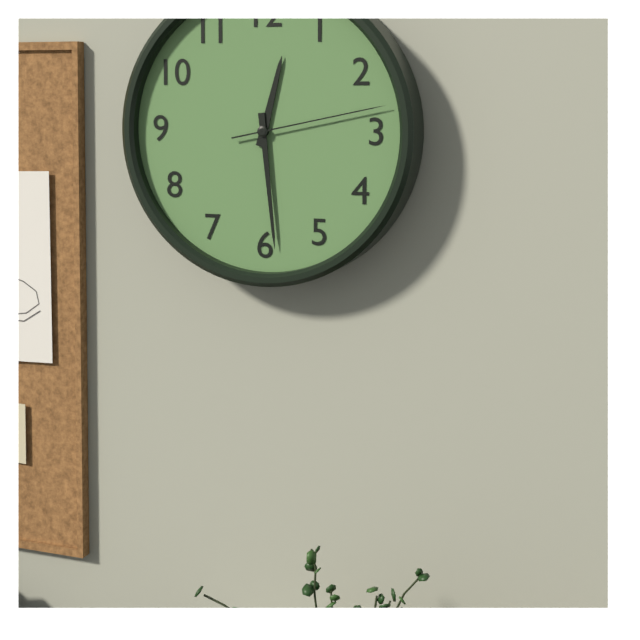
12:29:13
